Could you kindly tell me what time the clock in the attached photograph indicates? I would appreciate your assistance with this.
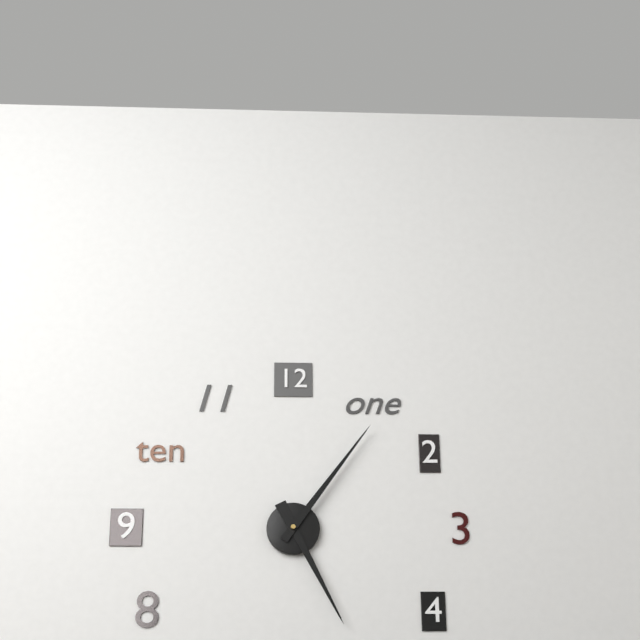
5:06
